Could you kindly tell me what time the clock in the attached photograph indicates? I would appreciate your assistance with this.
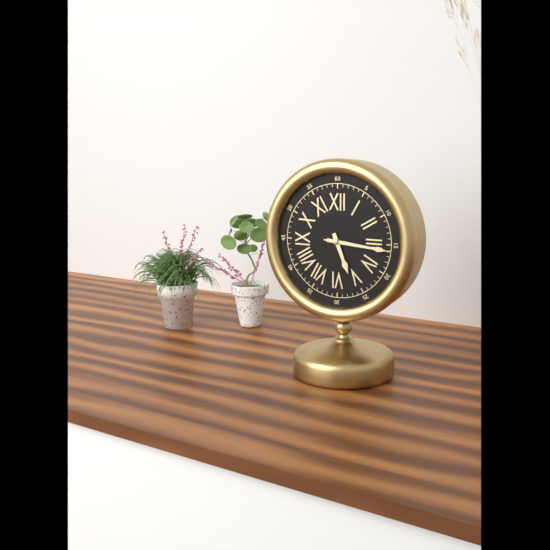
5:16:16
